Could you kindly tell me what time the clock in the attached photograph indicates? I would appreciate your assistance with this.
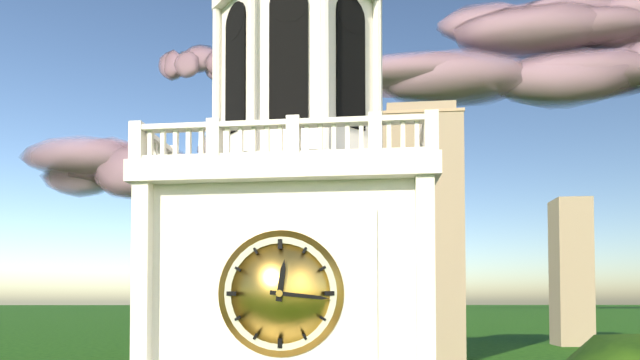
12:16
